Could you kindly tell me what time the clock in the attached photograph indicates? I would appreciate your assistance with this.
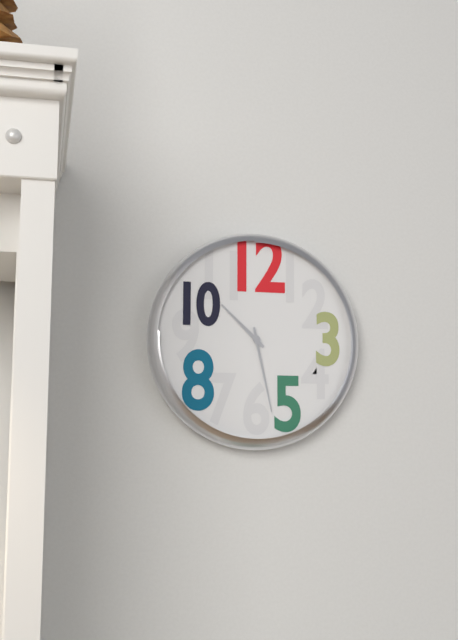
10:28
